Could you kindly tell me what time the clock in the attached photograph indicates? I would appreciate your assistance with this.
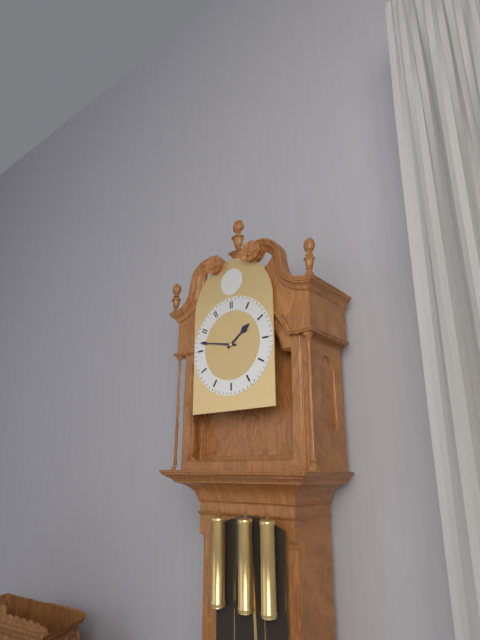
1:47
